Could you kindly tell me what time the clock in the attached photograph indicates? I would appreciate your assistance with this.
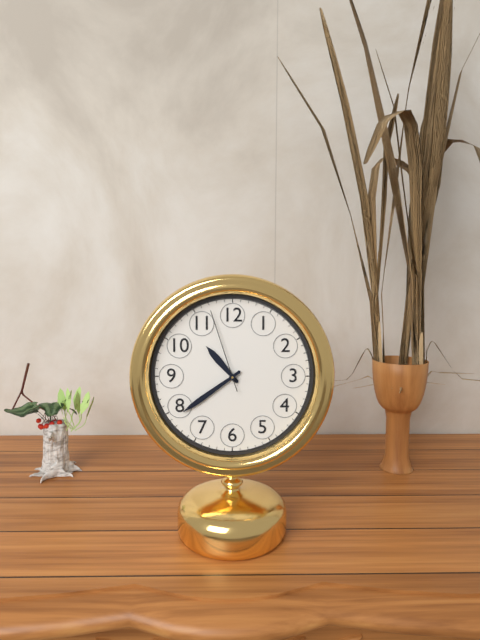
10:39:57
